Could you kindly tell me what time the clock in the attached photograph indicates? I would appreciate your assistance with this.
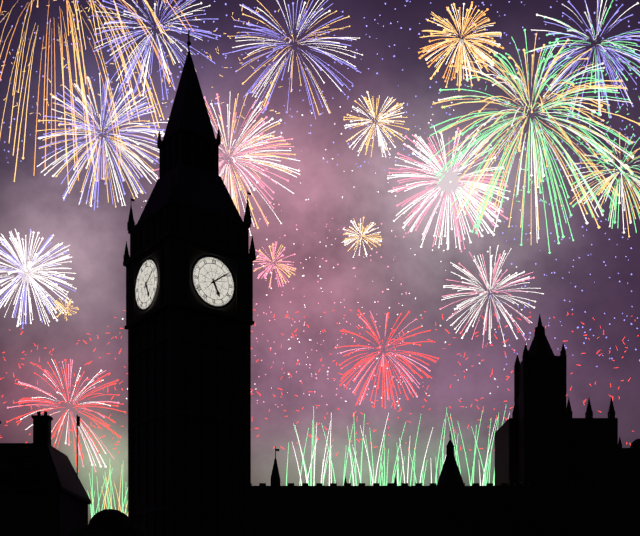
5:09
